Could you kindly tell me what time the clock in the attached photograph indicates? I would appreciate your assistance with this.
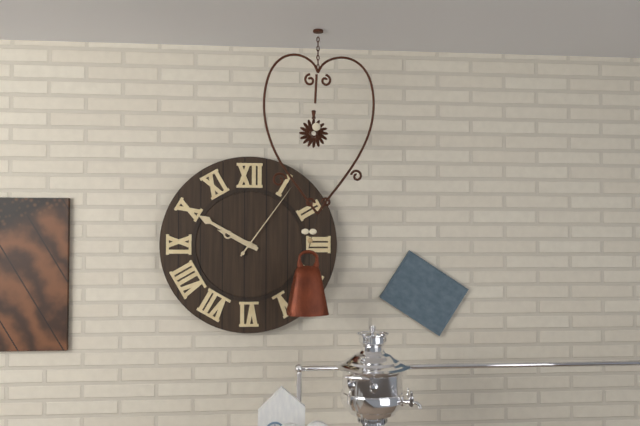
9:50:06
